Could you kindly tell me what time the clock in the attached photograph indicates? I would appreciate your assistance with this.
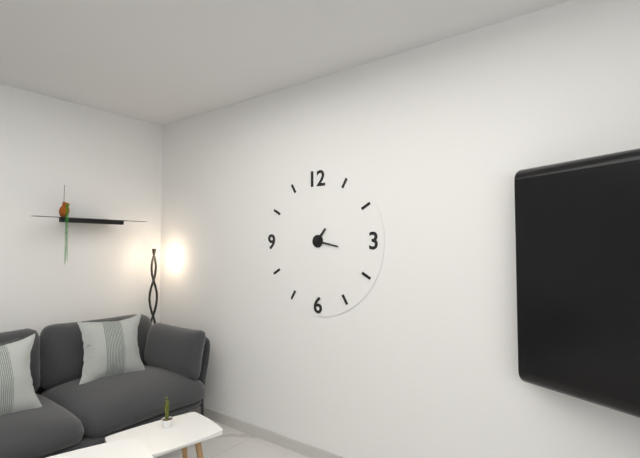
1:17
